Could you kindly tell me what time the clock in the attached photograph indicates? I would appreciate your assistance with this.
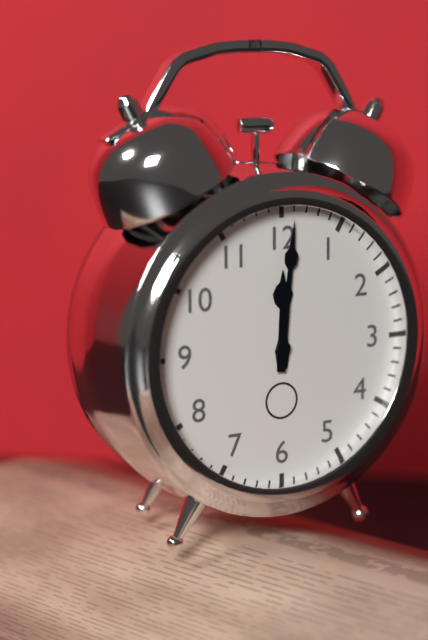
12:01
